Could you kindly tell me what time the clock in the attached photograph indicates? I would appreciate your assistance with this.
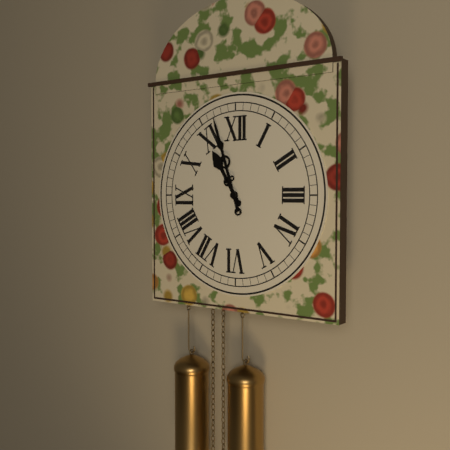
10:57
